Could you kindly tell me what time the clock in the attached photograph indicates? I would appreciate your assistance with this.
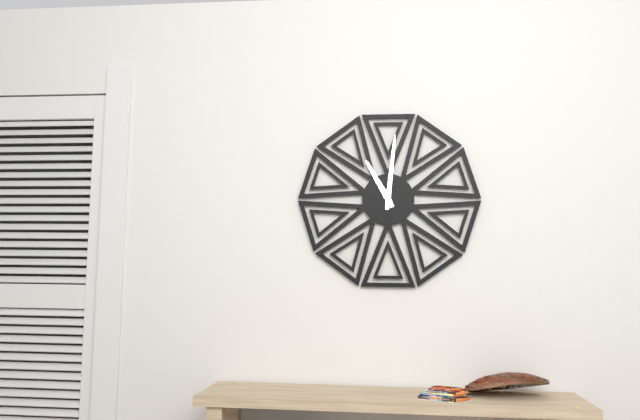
11:01
